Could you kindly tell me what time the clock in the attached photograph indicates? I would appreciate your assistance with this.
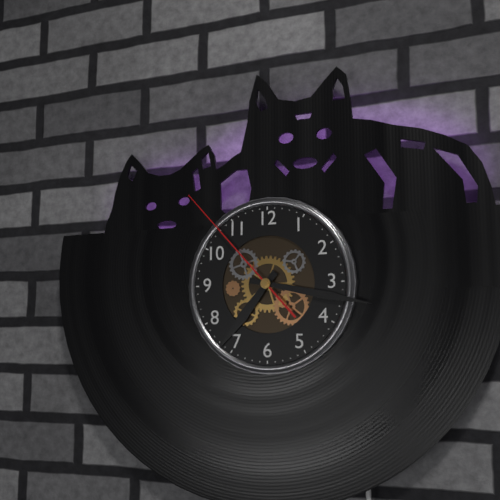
7:17:53
